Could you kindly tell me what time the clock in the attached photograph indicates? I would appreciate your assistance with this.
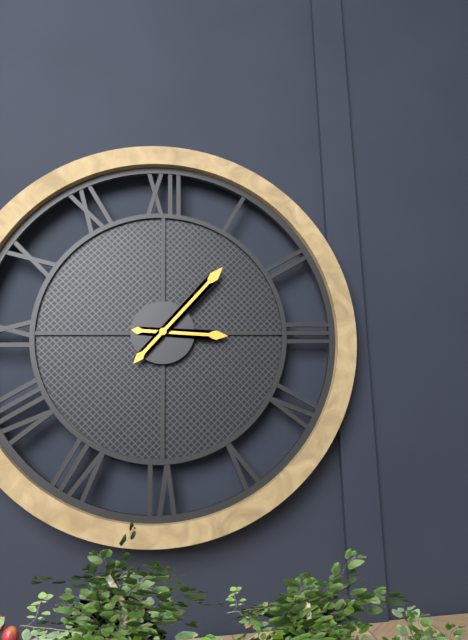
3:07
